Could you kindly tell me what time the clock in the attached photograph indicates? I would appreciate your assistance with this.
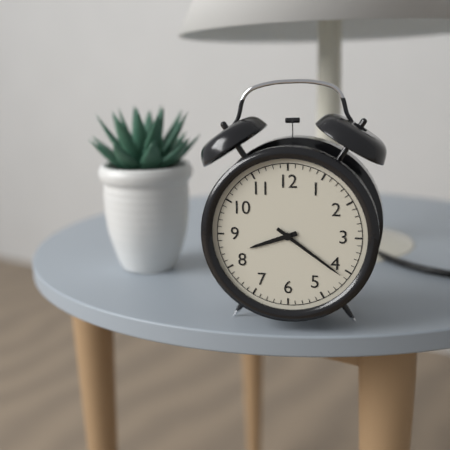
8:21
